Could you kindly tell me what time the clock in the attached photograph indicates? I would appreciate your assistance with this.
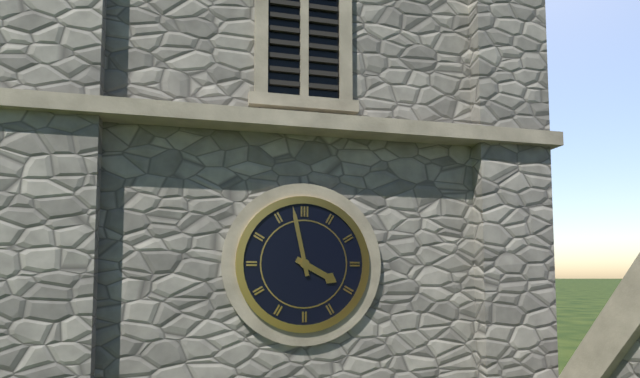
3:58
